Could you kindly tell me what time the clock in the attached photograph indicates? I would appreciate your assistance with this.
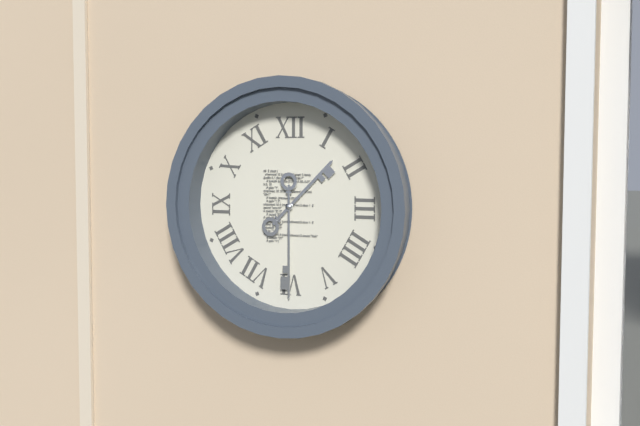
1:30
